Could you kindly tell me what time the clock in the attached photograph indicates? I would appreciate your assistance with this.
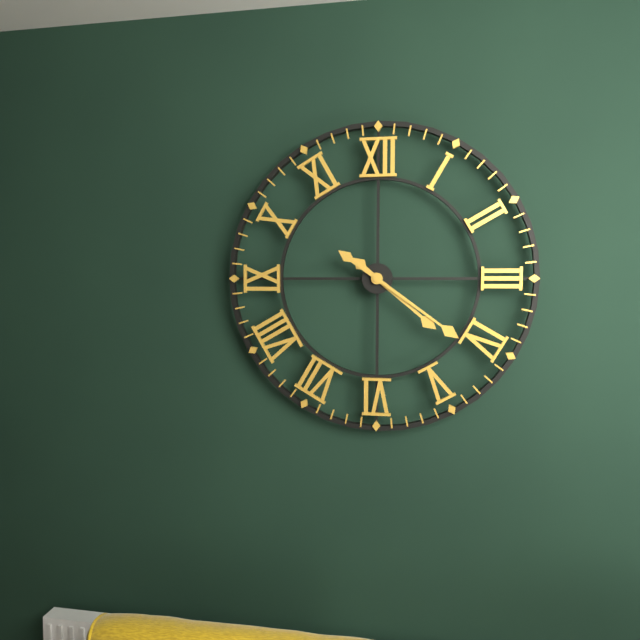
4:21
